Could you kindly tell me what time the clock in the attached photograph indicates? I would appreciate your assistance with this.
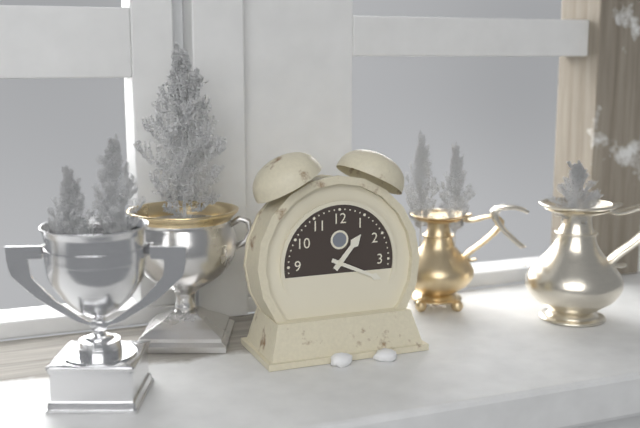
1:19
